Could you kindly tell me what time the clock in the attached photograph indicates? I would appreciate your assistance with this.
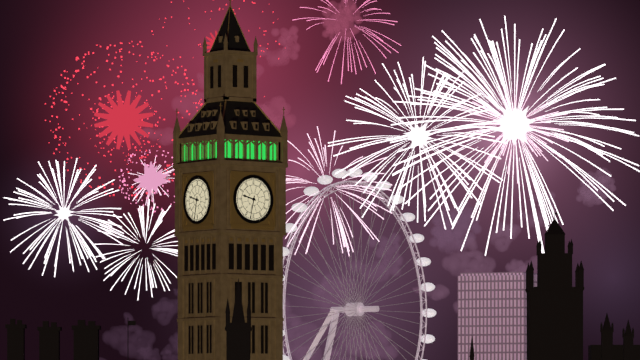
9:32
